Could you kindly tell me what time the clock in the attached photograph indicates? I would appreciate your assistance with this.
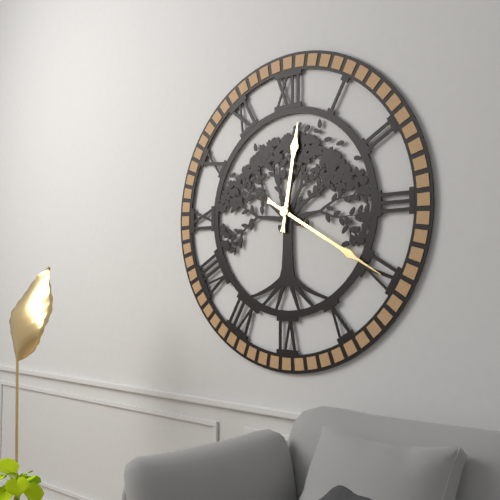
12:20
